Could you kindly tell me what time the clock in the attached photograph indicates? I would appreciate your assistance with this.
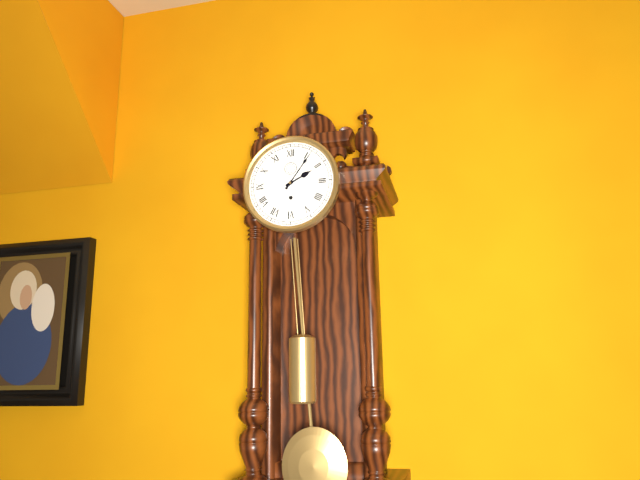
2:06
